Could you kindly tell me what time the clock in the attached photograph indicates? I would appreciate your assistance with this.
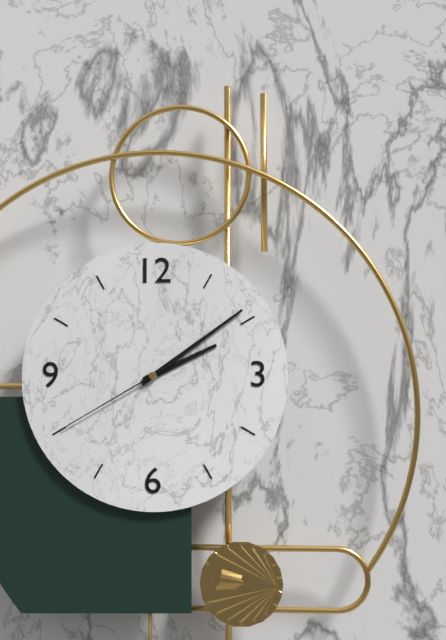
2:09:40
